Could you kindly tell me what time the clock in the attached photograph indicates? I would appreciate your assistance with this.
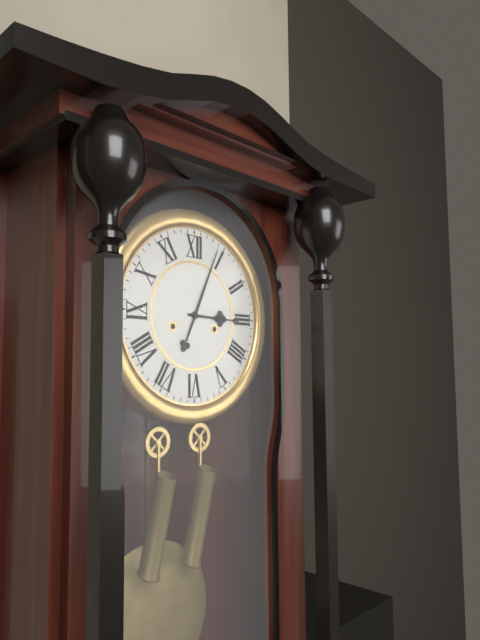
3:04
